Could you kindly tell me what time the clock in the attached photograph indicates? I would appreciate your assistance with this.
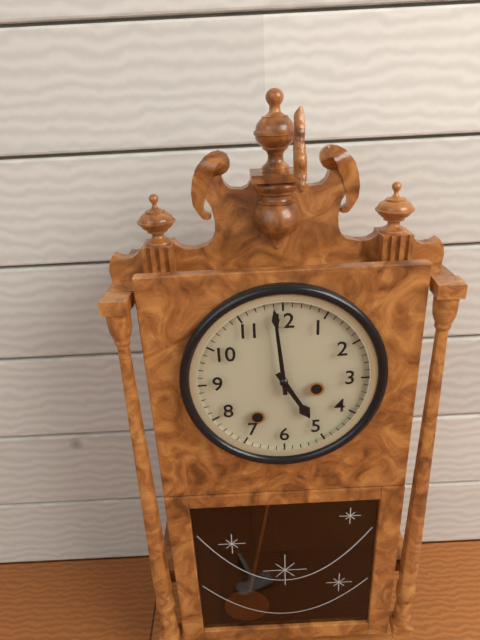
4:59
